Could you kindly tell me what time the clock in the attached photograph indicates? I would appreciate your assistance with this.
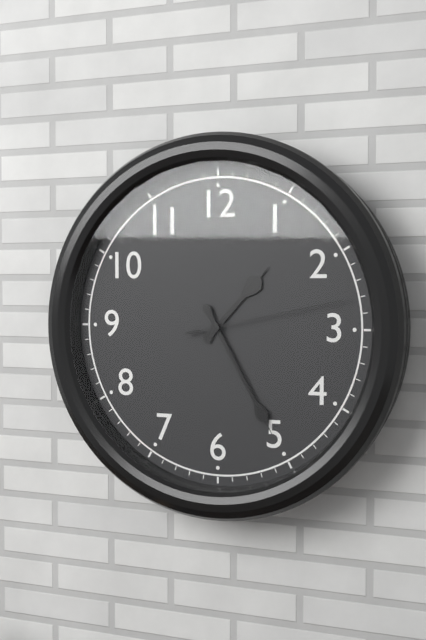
1:25:13
